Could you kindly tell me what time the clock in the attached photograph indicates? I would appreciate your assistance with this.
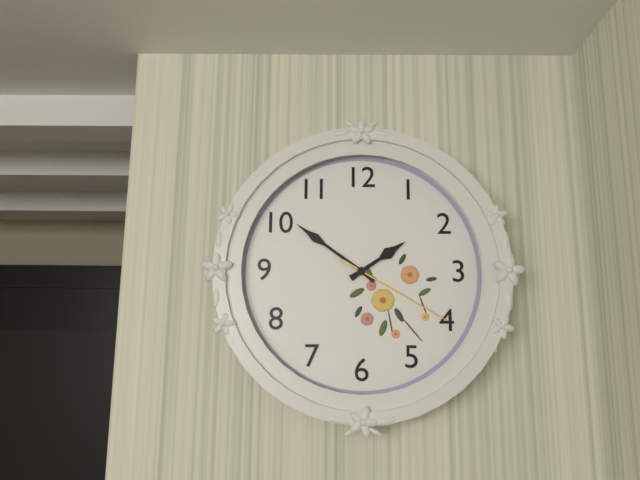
1:51:20
